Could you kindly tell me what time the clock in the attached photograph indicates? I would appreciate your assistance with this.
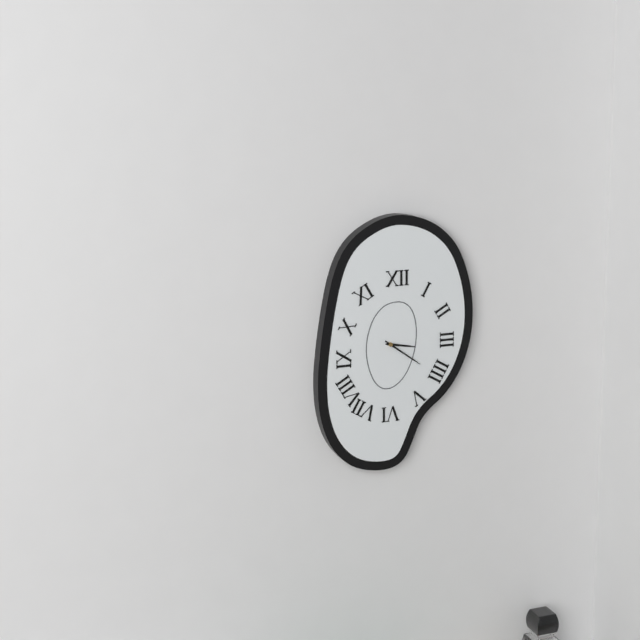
3:21
